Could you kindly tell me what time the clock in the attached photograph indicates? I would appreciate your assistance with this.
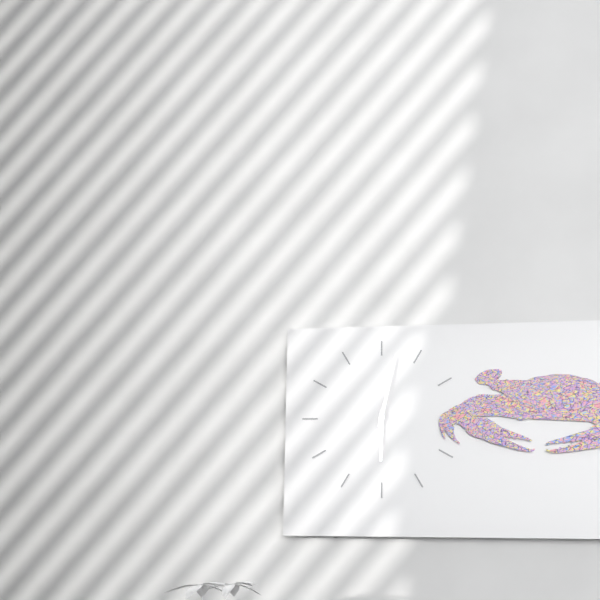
6:02
